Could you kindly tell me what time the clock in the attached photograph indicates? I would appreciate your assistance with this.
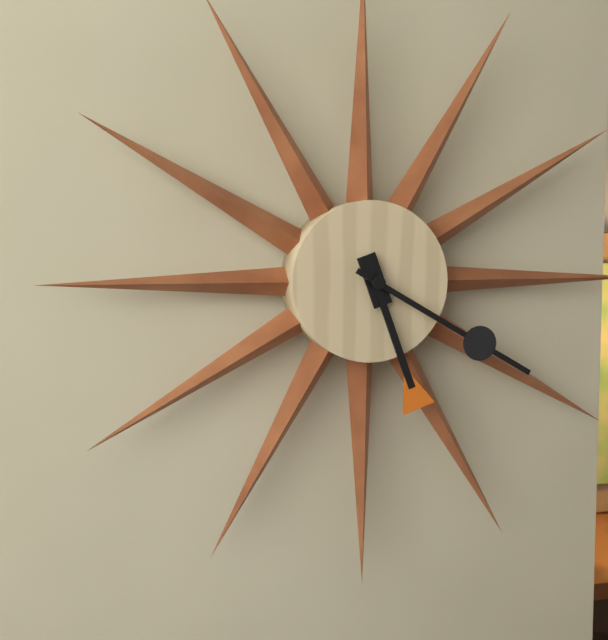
5:20
